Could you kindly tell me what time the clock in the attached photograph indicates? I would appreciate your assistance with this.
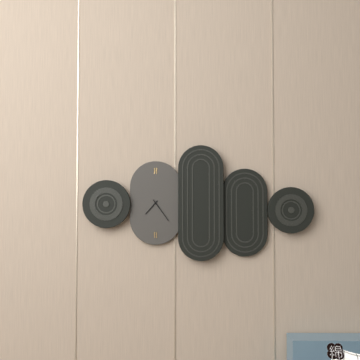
7:24
